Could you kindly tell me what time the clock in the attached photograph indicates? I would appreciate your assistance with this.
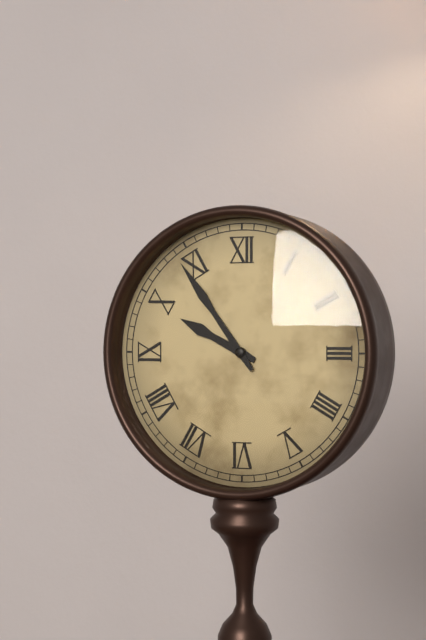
9:54
